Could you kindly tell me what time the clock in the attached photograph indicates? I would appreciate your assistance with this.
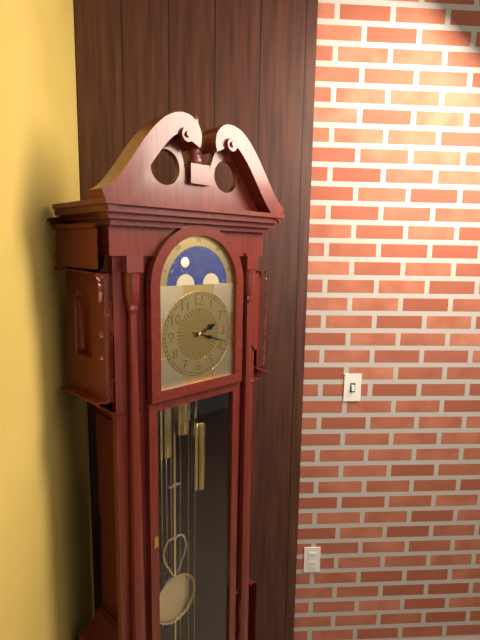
2:18
